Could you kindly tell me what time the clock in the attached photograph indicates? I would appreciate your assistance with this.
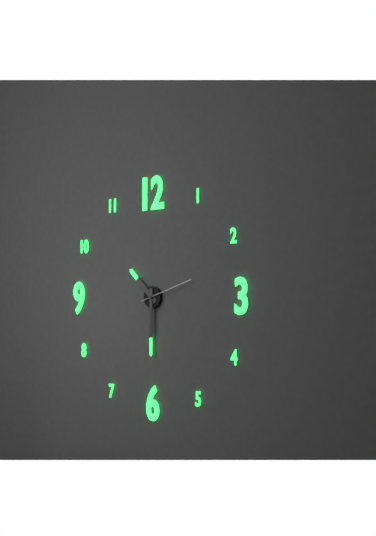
10:30:12
